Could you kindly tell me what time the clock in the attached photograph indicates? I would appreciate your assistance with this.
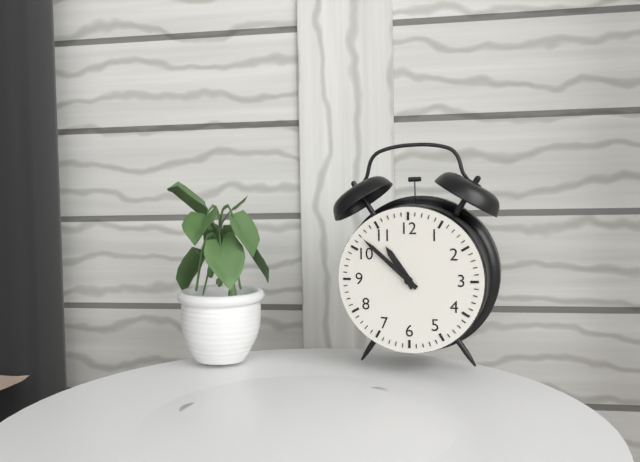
10:52
